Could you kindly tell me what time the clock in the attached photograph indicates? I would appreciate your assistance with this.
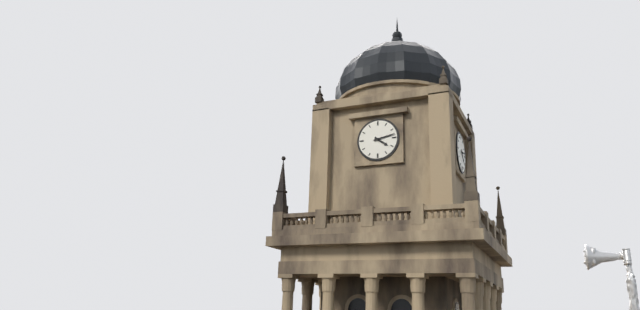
4:13
